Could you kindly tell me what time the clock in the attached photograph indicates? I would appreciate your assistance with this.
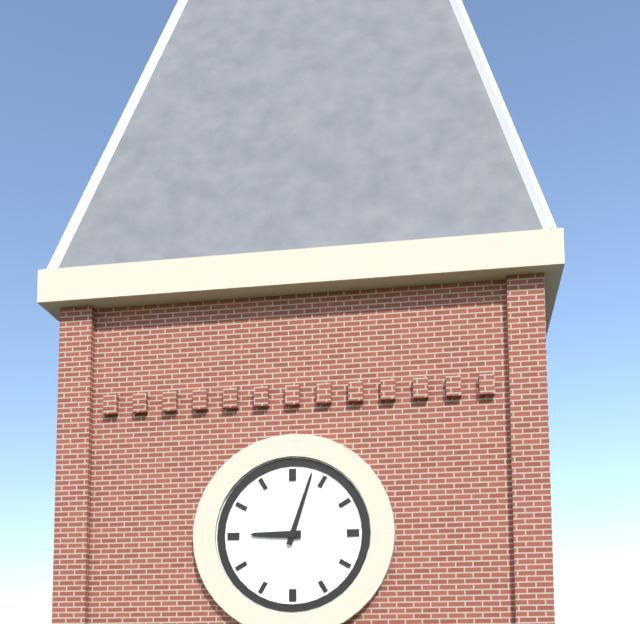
9:03
